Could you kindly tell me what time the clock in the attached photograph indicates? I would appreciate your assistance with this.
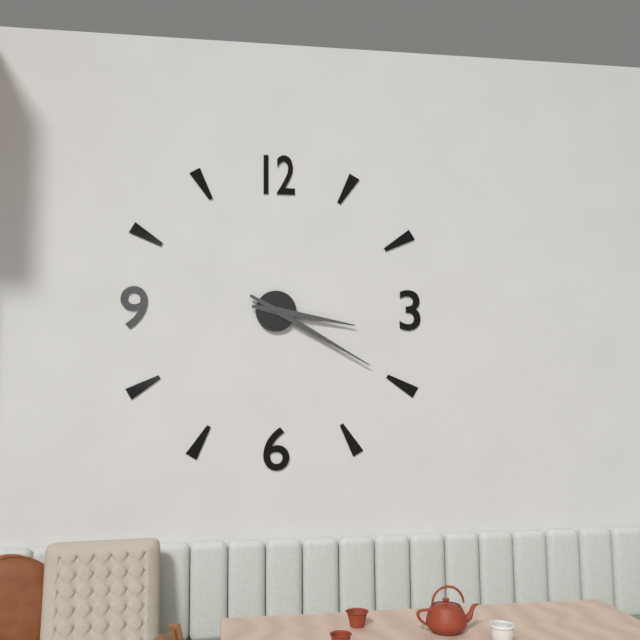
3:20
